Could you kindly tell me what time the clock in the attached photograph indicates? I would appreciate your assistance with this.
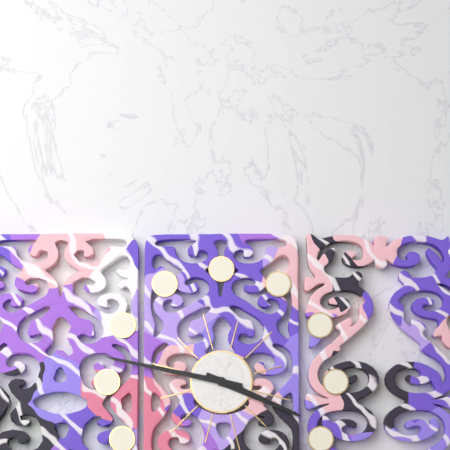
3:47
